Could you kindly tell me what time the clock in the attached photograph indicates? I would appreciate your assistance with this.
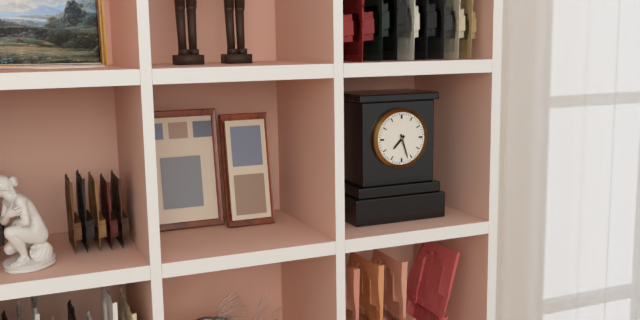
7:27
